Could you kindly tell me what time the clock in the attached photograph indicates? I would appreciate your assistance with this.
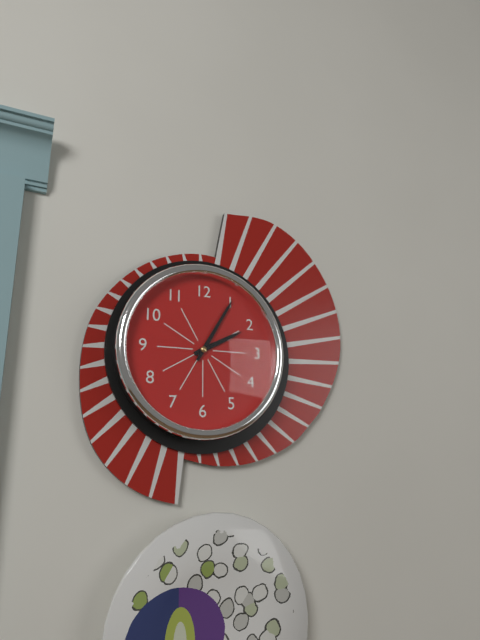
2:05
